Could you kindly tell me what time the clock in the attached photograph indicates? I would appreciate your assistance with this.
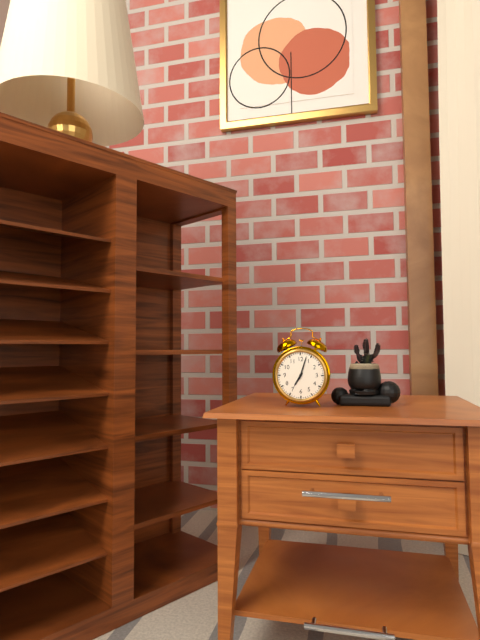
7:03
